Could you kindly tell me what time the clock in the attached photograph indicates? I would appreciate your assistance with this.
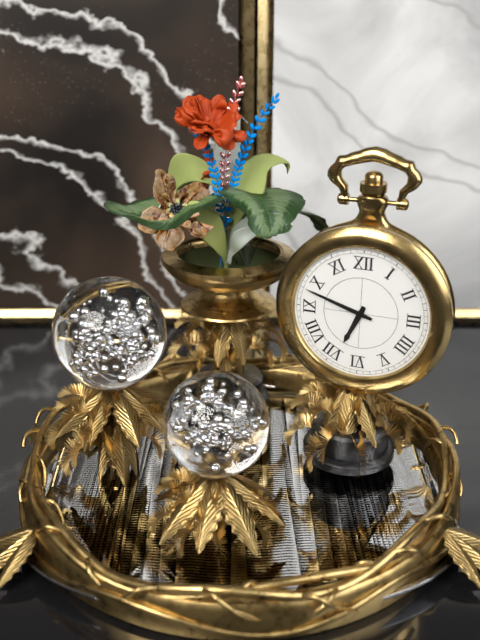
6:48
